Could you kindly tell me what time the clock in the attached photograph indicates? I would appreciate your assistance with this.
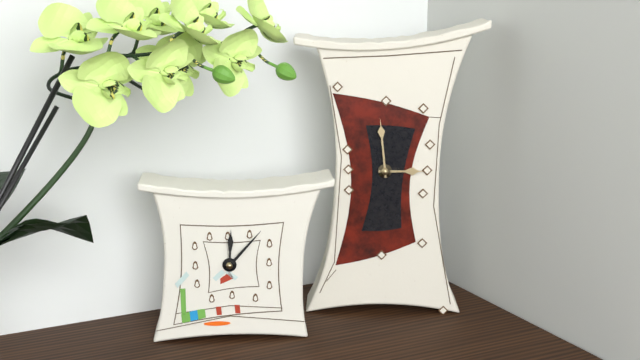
2:59
